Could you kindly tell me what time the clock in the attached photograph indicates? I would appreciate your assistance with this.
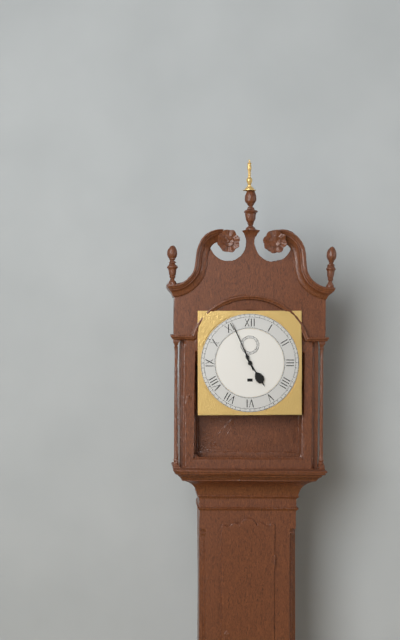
4:56
